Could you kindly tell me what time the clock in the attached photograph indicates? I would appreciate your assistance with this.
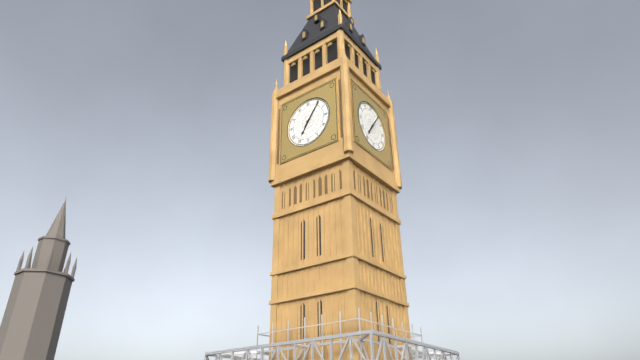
7:06
